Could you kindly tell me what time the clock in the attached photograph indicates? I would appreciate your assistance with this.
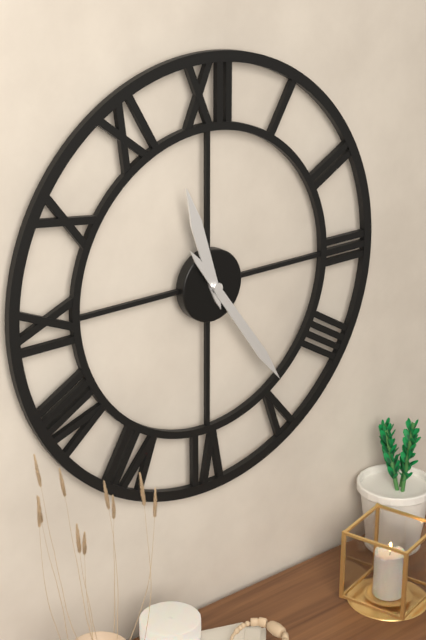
11:24
